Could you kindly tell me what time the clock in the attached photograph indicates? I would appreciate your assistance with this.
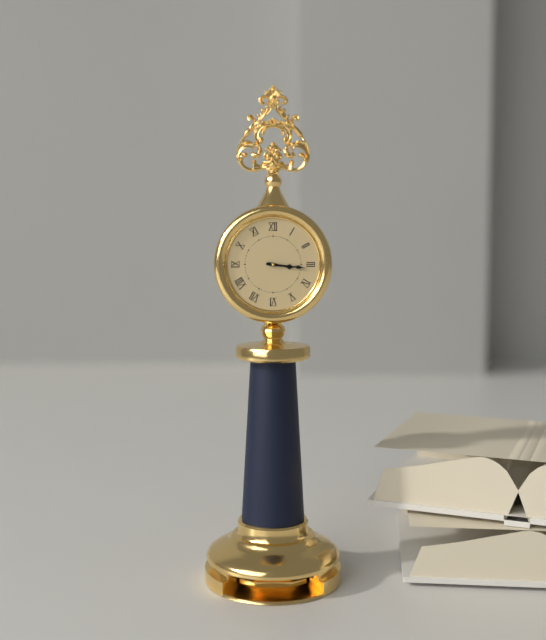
3:16
